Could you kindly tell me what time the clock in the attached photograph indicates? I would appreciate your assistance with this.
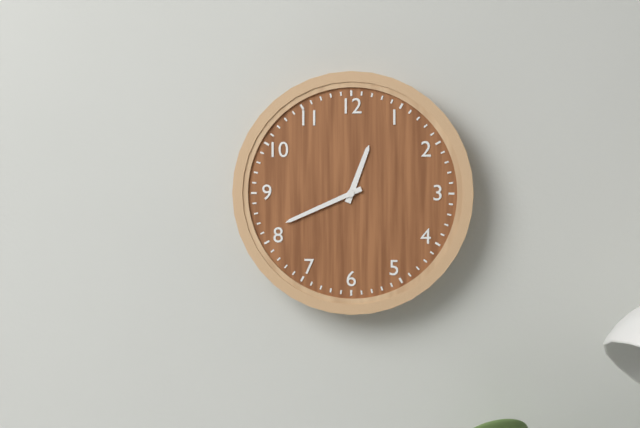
12:41
